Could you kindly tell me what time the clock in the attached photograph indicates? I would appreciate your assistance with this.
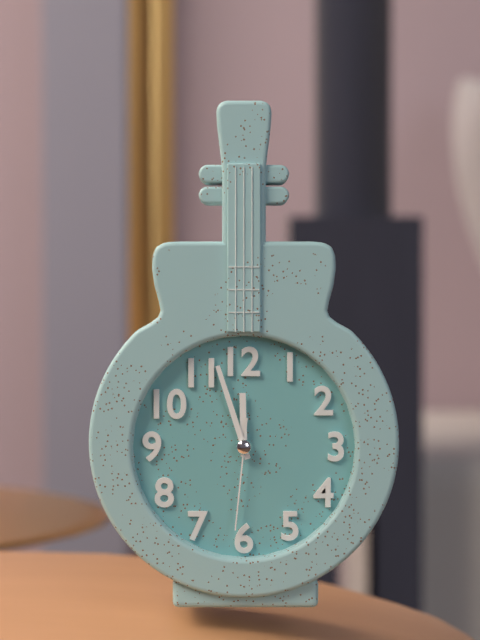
11:57:31
